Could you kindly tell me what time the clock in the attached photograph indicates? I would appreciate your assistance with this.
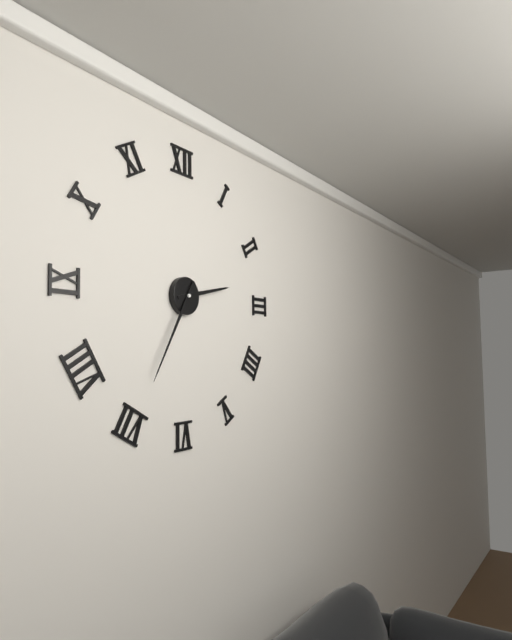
2:35
